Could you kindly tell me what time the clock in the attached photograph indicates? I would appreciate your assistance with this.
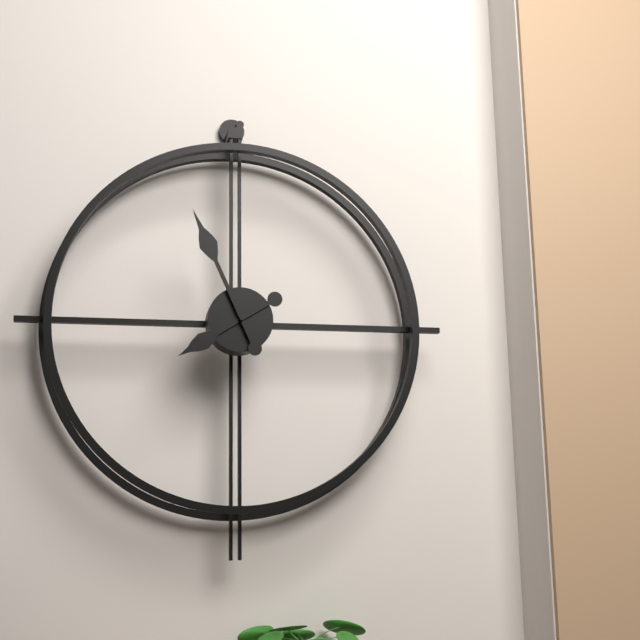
7:56
